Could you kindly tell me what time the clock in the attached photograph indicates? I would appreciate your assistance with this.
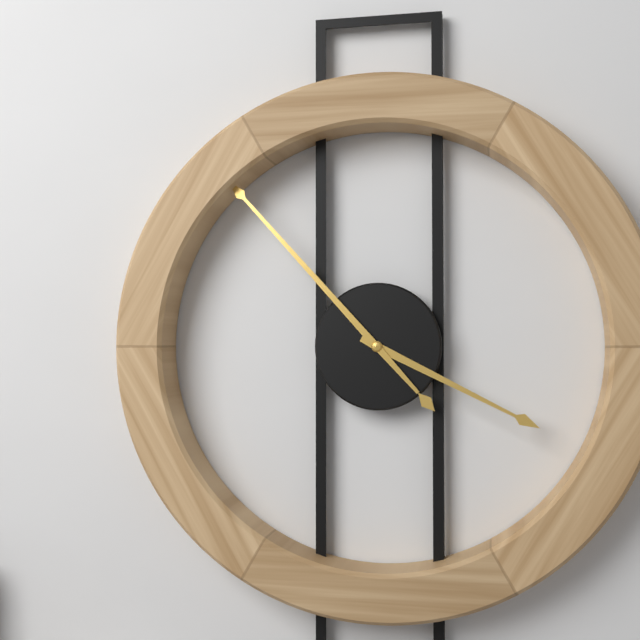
3:53
